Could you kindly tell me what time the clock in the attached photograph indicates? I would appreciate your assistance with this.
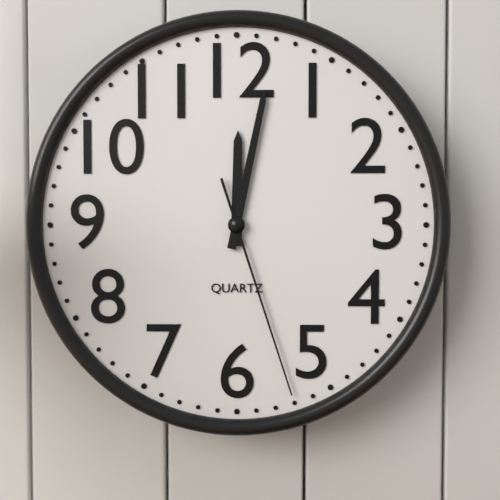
12:02:27
